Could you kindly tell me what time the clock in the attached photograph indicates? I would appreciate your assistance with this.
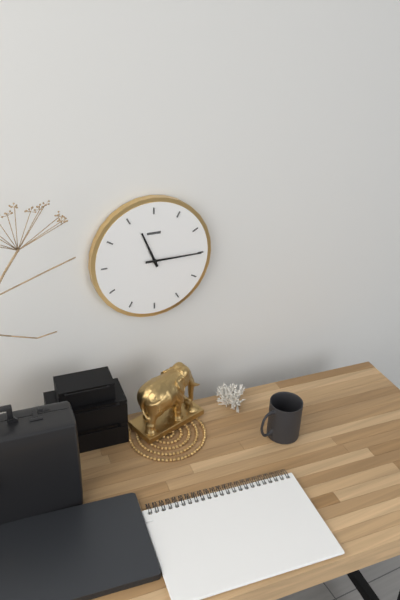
11:15
